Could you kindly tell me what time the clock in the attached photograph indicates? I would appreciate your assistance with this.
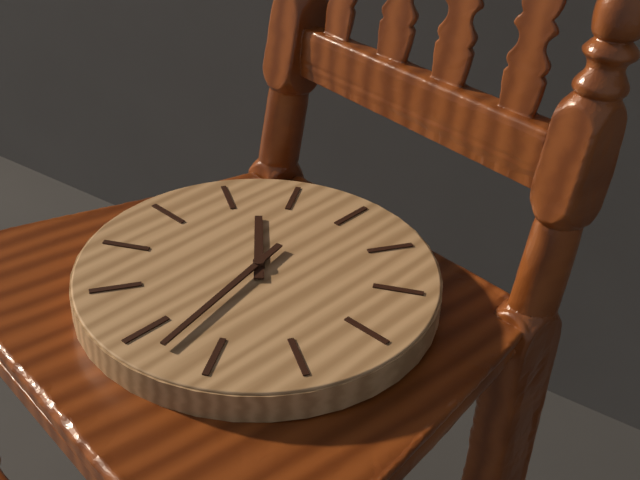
10:28
